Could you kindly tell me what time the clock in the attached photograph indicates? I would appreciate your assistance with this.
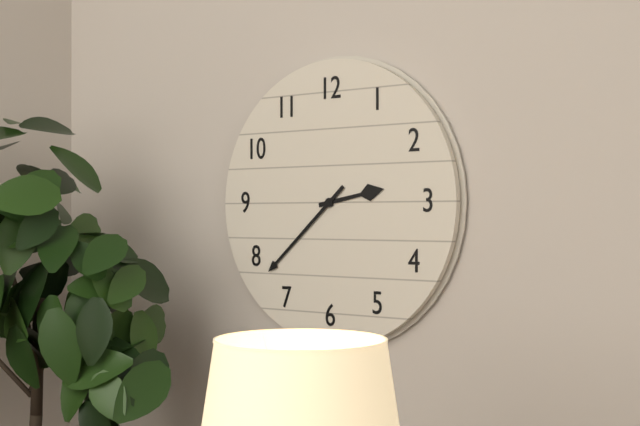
2:38
